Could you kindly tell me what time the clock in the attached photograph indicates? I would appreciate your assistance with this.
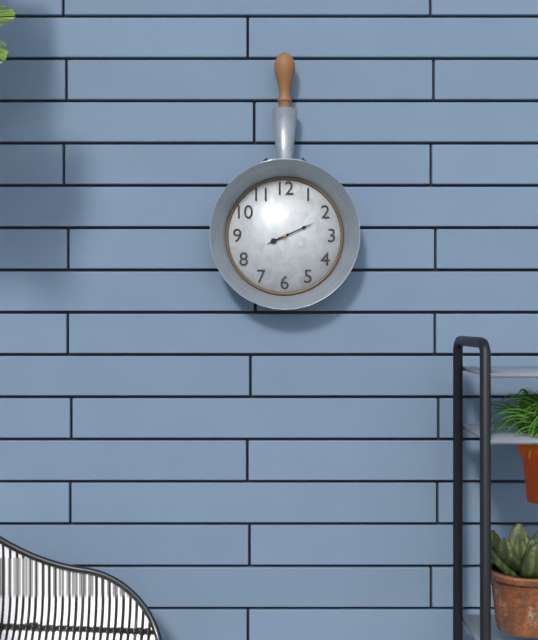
8:11
